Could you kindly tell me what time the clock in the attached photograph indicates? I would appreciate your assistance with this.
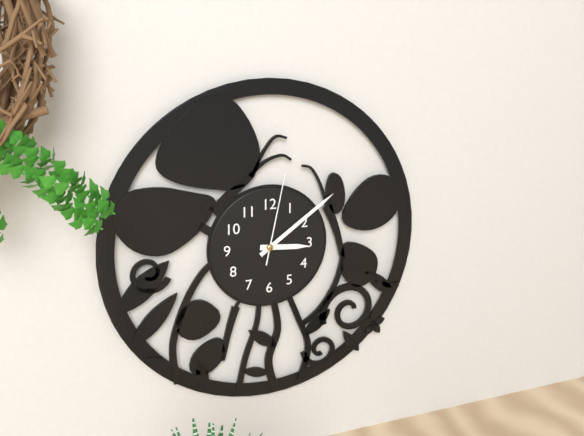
3:09:02
